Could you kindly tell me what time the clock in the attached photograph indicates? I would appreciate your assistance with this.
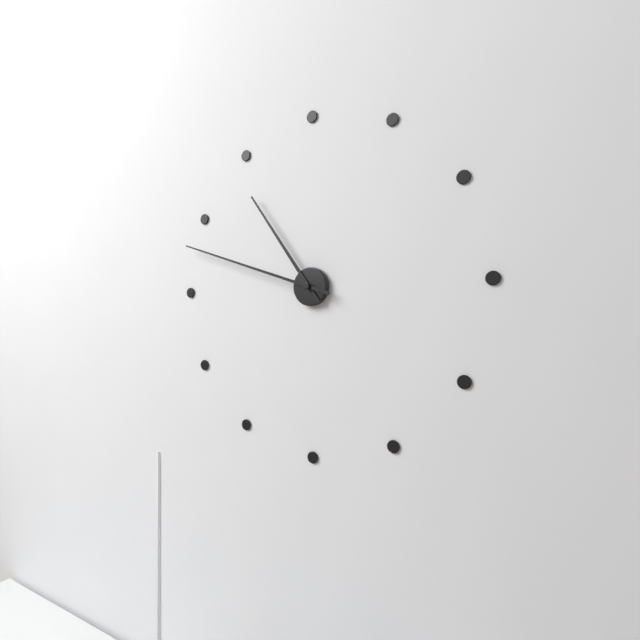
10:48
